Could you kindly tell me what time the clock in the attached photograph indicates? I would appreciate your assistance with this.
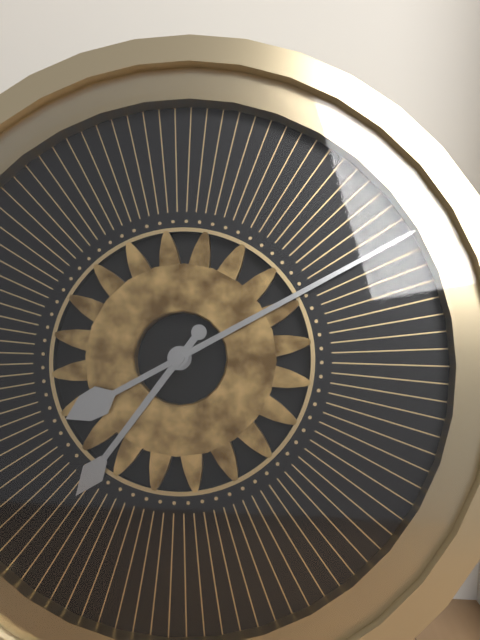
7:10
